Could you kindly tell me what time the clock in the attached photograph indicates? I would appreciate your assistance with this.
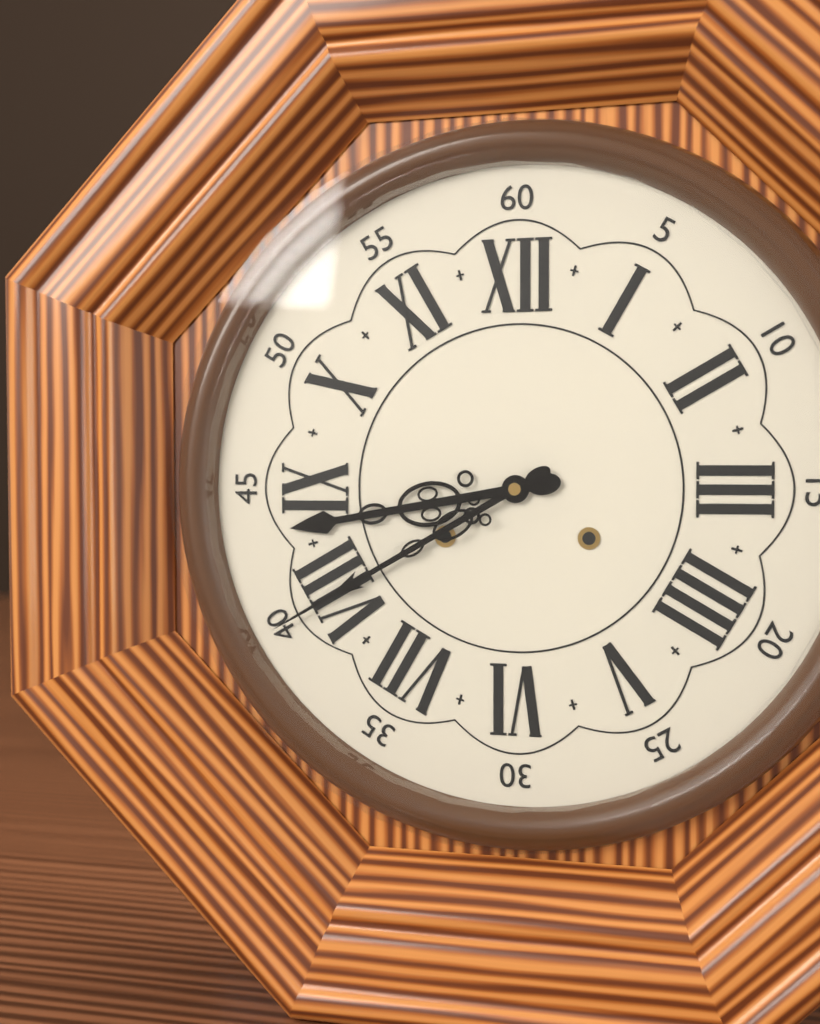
8:40
